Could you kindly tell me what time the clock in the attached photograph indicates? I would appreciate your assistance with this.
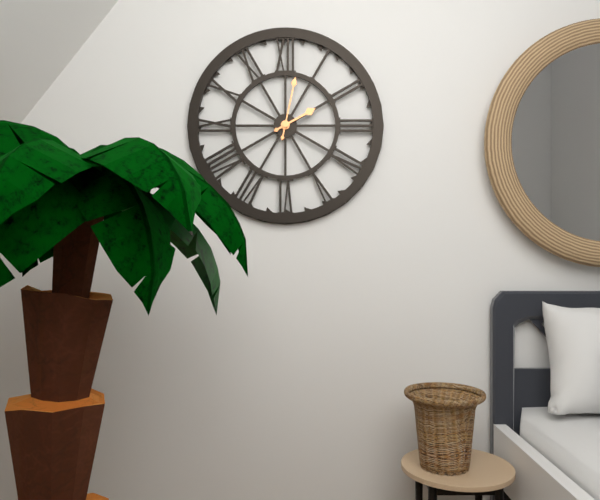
2:02
